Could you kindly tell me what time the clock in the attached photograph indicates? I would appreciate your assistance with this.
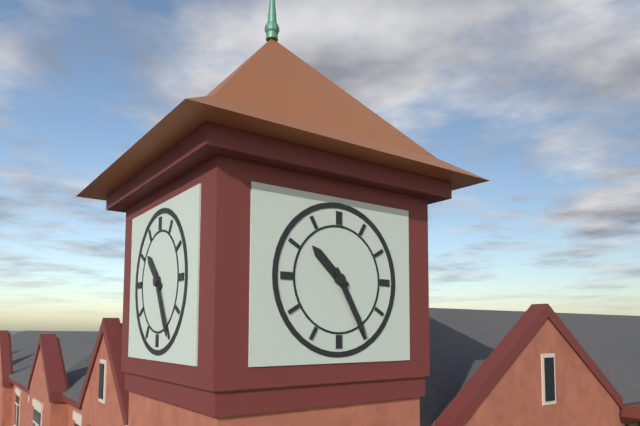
10:25
